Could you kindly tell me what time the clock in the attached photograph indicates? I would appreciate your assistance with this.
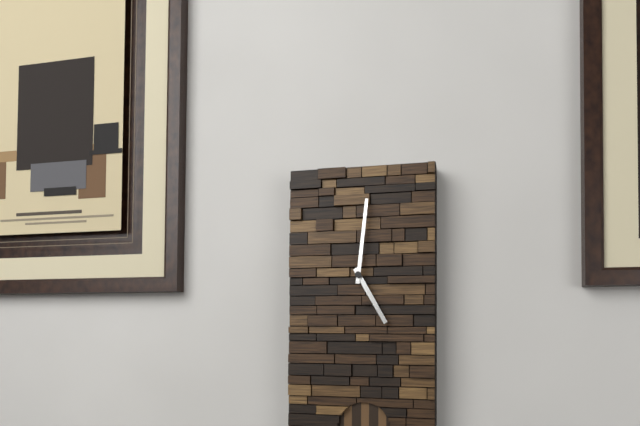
5:01
